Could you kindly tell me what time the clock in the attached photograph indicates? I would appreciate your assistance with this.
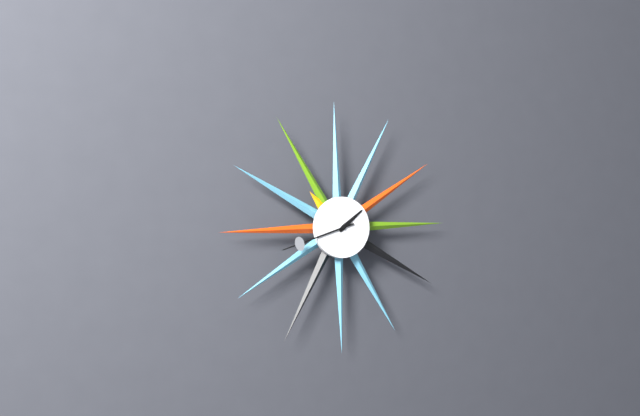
1:42
